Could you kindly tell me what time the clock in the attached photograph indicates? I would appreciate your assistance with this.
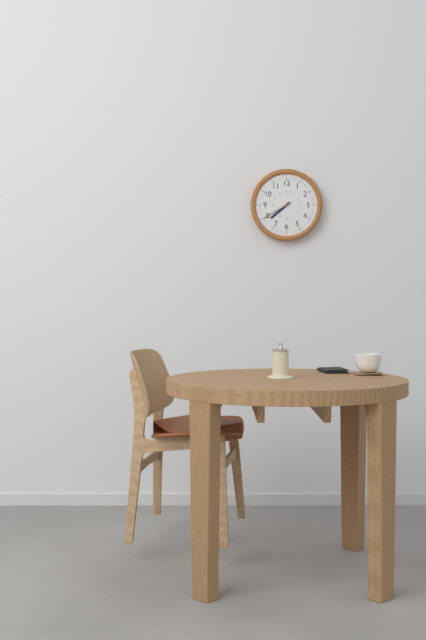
7:40
